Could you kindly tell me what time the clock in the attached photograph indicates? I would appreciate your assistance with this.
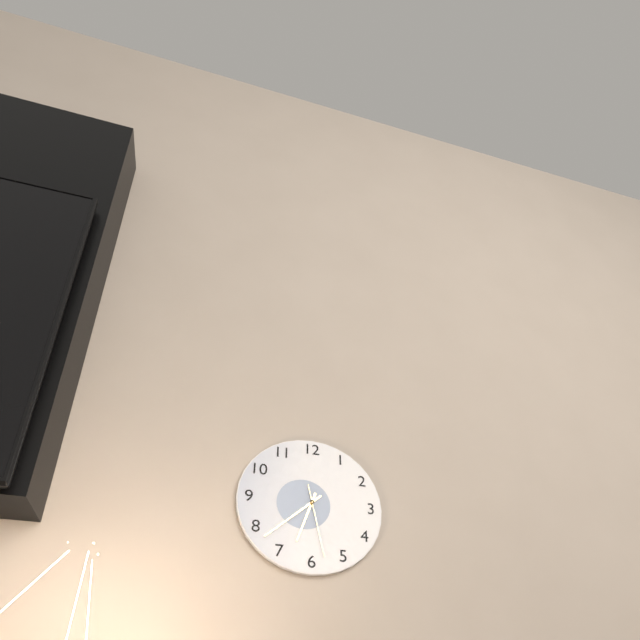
6:38:28
